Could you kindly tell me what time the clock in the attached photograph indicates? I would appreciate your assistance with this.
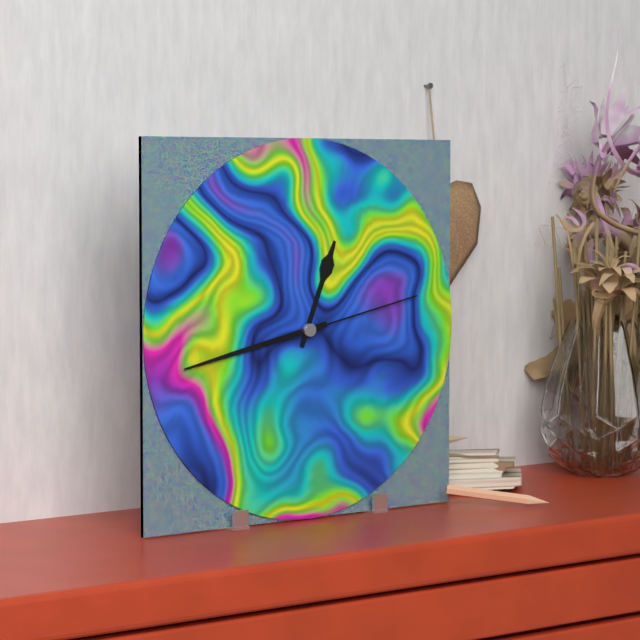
12:43:13
